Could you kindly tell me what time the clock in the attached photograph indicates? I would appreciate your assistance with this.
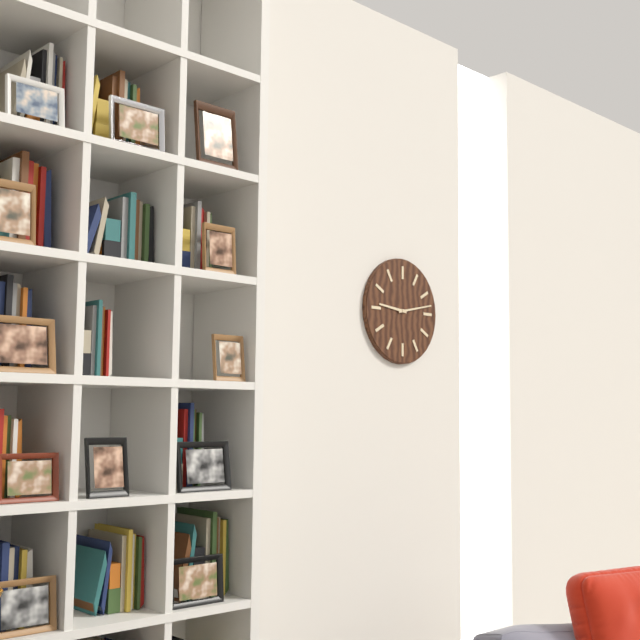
9:13
